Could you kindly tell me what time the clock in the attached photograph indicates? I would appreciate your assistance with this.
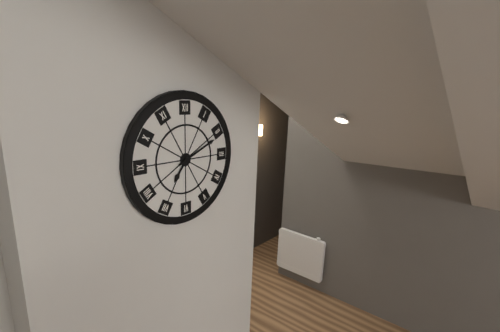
7:11
